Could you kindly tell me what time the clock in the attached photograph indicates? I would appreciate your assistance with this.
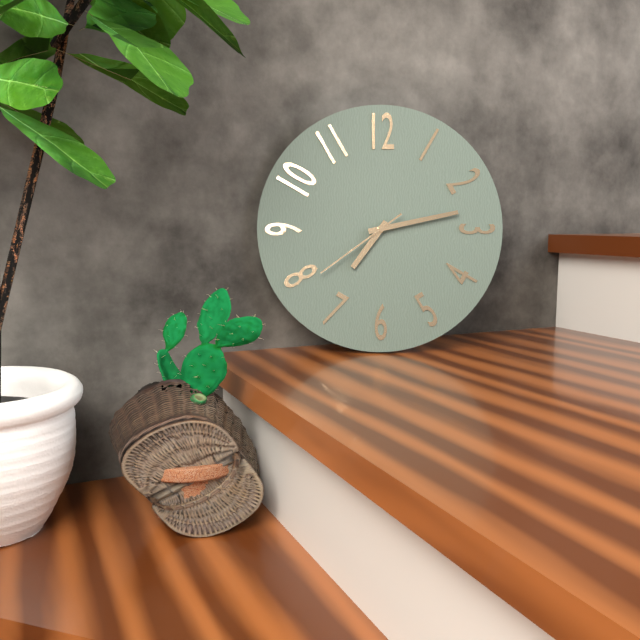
7:13:39
